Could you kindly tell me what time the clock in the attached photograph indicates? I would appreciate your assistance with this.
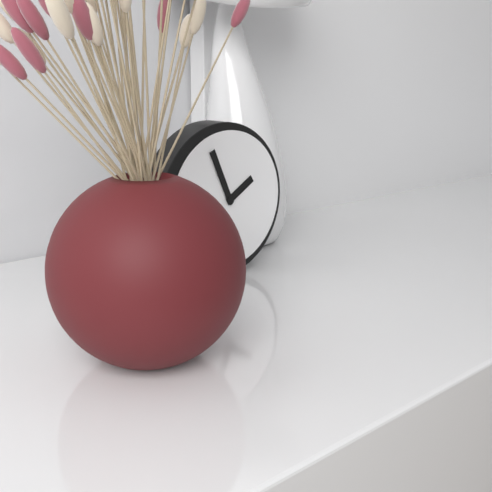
1:56
